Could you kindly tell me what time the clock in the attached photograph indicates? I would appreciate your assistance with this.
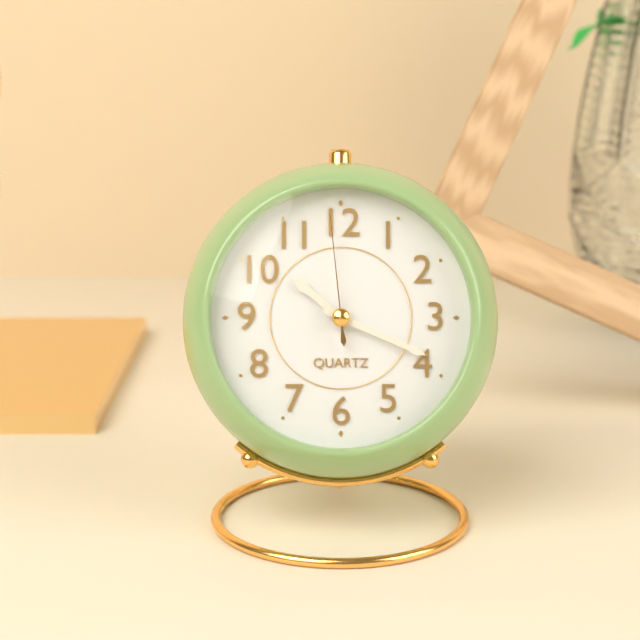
10:19:59
